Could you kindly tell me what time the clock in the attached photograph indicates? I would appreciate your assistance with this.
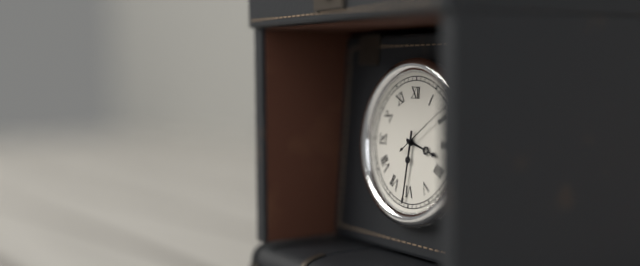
3:31:09
